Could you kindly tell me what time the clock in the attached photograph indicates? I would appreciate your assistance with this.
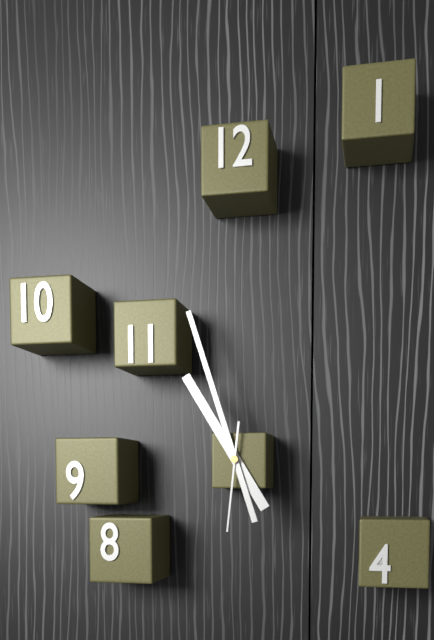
10:57:31
